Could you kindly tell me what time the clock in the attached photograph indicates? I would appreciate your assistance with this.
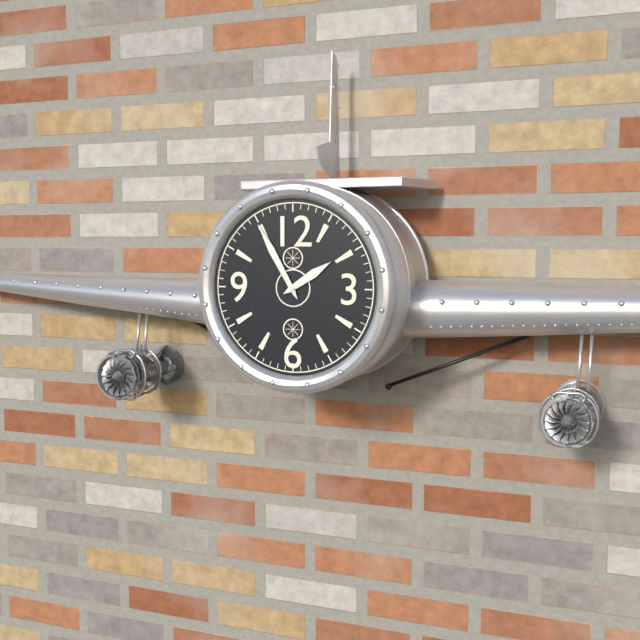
1:55
